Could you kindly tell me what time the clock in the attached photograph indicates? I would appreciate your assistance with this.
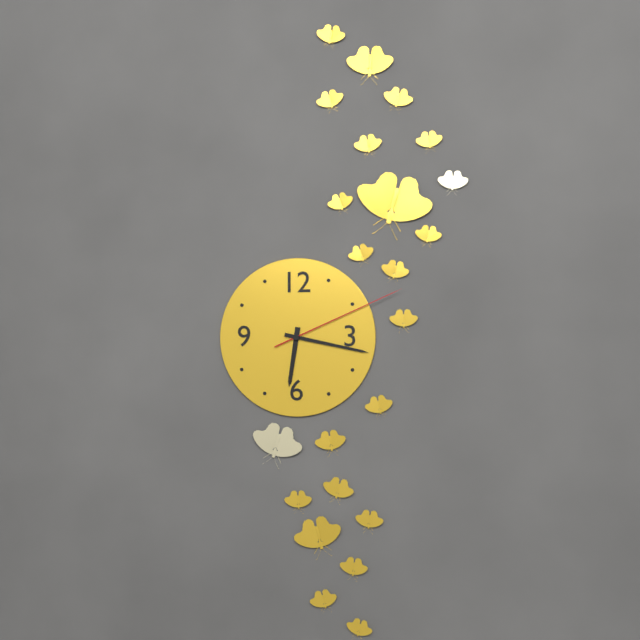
6:17:11
